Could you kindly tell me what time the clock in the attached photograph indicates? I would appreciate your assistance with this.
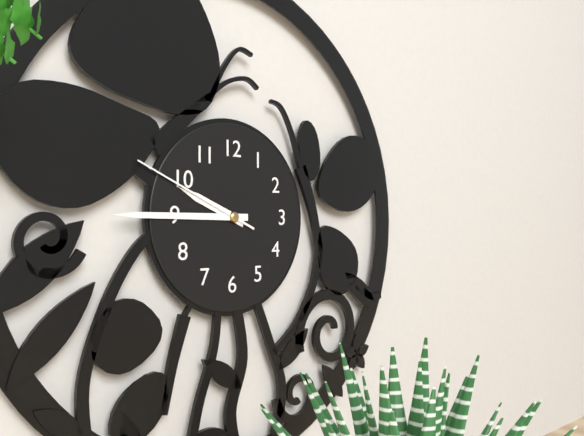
9:45:49
